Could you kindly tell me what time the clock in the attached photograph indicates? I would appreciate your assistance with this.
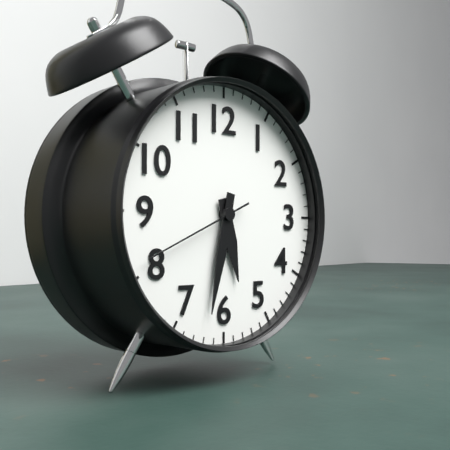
5:32:41
